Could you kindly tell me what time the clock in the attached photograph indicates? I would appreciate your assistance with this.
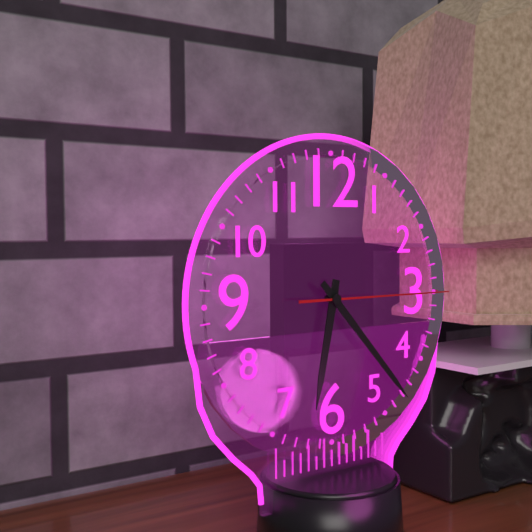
6:23:15
